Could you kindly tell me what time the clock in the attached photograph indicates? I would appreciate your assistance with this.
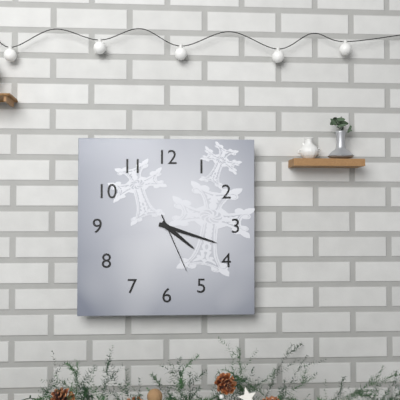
4:18:26
